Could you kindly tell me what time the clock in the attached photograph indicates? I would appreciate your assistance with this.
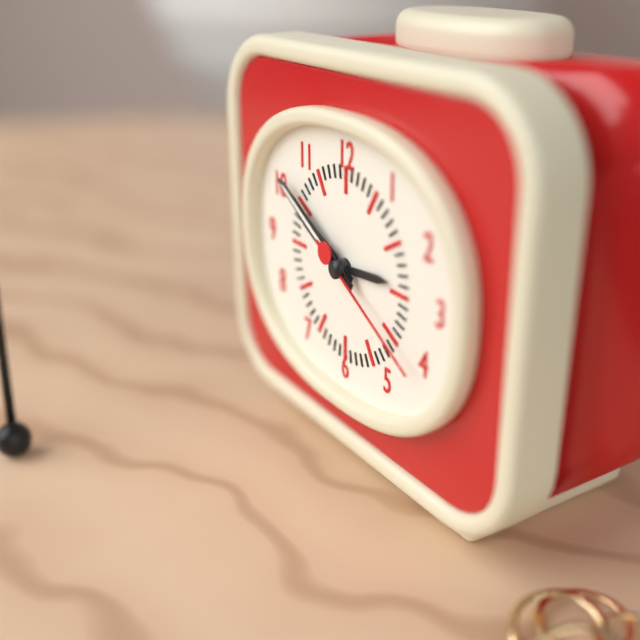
9:50:20
